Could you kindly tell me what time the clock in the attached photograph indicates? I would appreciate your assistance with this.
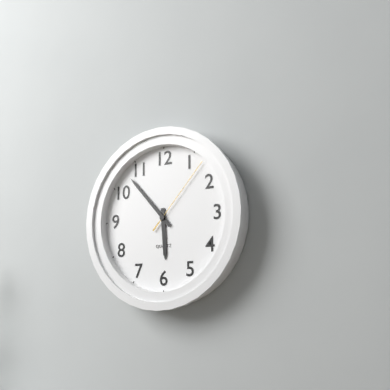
5:53:07
